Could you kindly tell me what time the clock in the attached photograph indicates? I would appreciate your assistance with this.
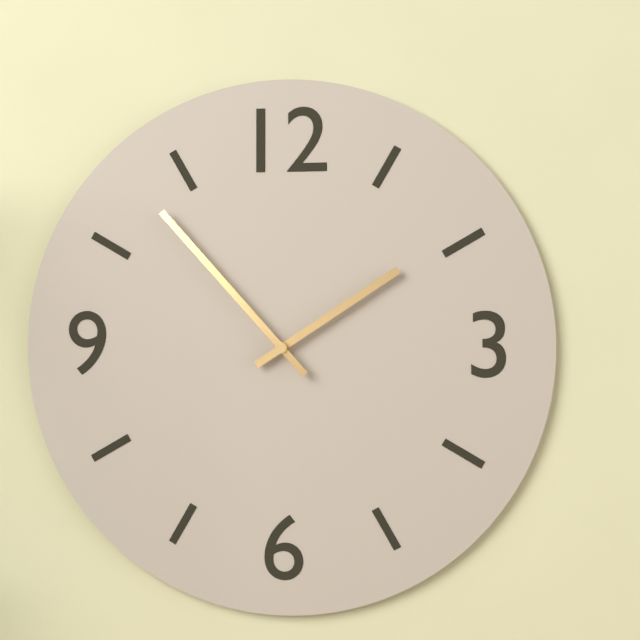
1:53
